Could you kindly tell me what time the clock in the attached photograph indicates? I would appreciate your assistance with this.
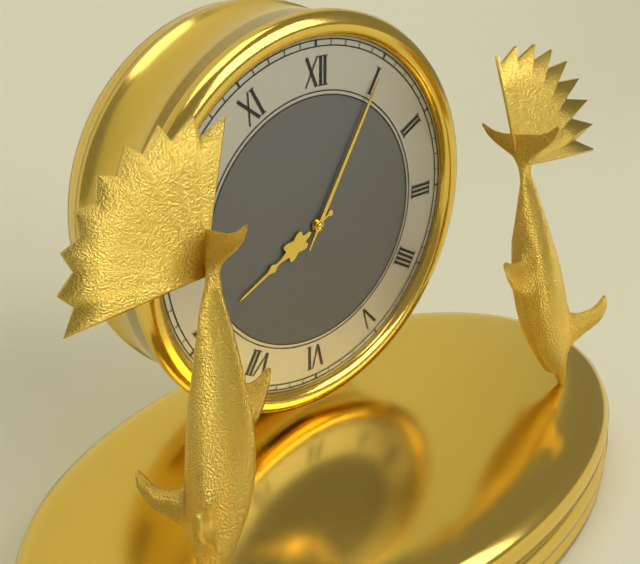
8:05
